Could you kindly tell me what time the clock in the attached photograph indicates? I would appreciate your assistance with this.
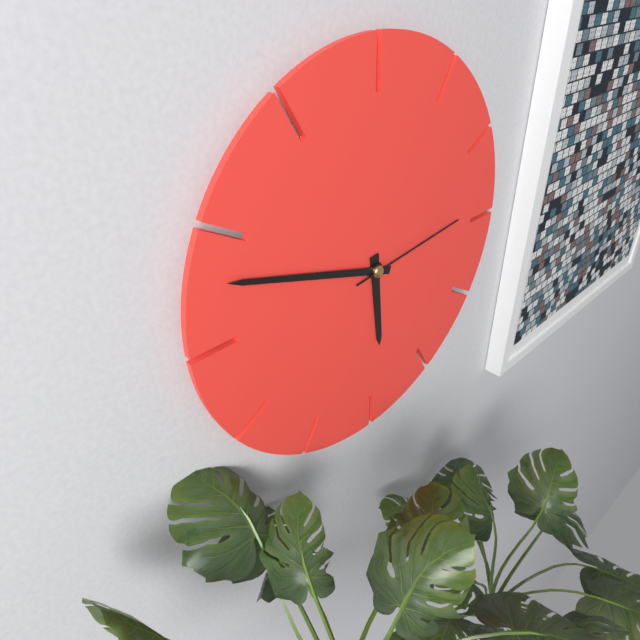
5:48:14
